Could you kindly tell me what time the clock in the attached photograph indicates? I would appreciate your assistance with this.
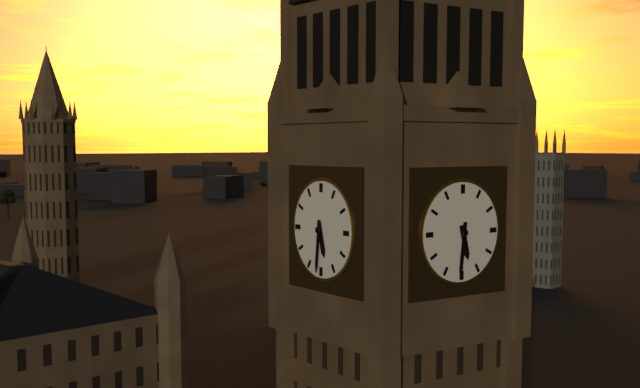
5:31
